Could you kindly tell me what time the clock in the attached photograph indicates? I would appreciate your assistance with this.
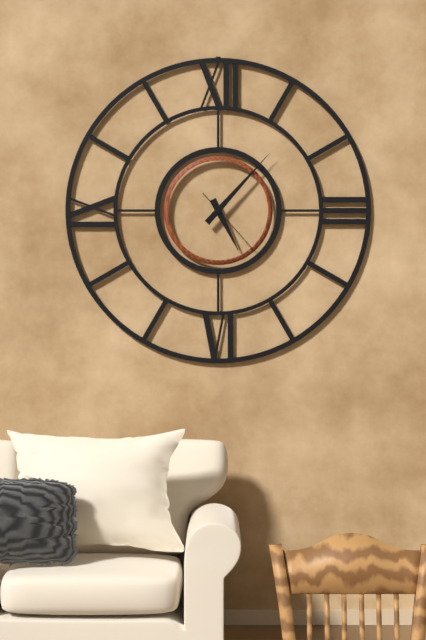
5:07:23
